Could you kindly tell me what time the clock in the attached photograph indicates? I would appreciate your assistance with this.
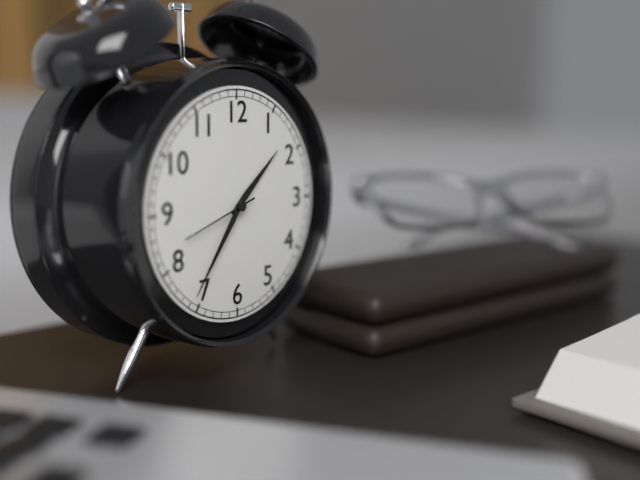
1:36:42
